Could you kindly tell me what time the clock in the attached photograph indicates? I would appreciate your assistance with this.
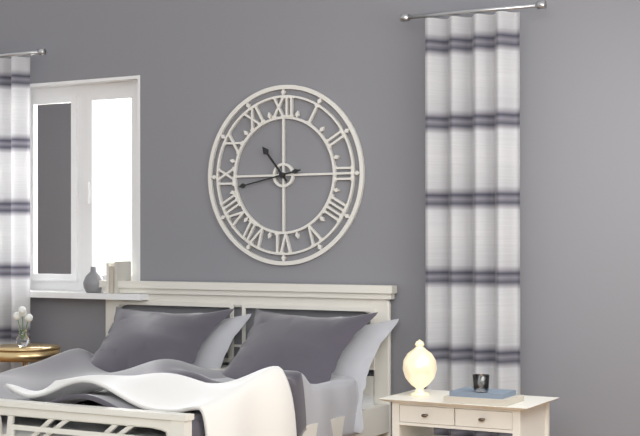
10:43
